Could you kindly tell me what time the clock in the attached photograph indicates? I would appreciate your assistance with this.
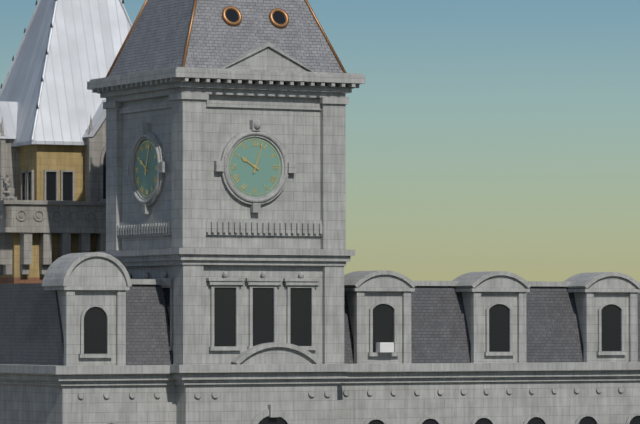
10:03
